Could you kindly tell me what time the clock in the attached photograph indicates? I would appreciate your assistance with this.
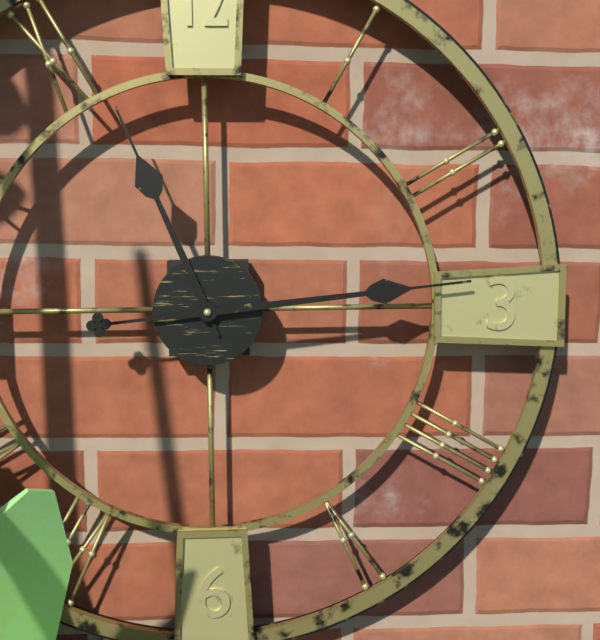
11:14
